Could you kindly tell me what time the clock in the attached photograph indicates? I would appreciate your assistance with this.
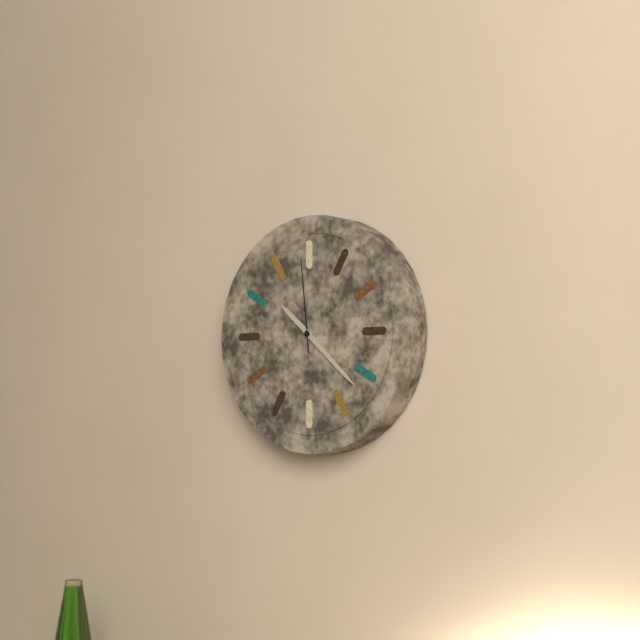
10:22:59
